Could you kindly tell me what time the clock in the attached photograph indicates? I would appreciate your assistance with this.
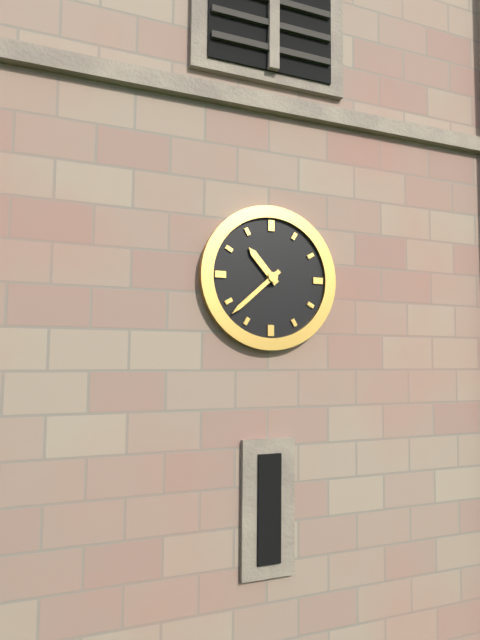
10:38
